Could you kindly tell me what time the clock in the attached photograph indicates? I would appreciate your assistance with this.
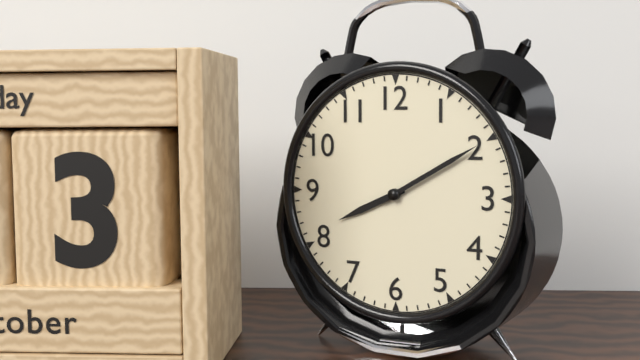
8:10
